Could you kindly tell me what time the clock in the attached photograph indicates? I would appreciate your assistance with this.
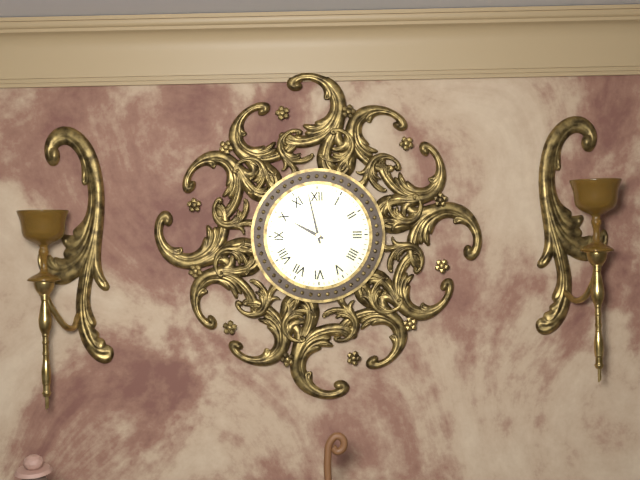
9:58
